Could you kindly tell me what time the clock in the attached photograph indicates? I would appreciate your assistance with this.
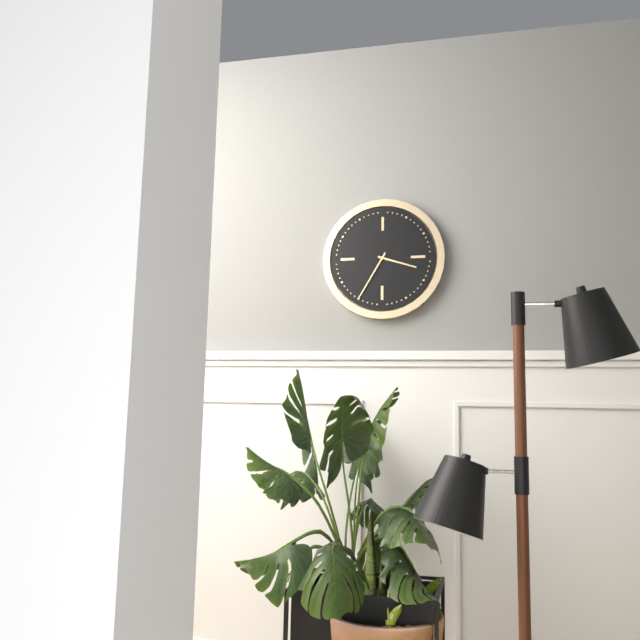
3:35
